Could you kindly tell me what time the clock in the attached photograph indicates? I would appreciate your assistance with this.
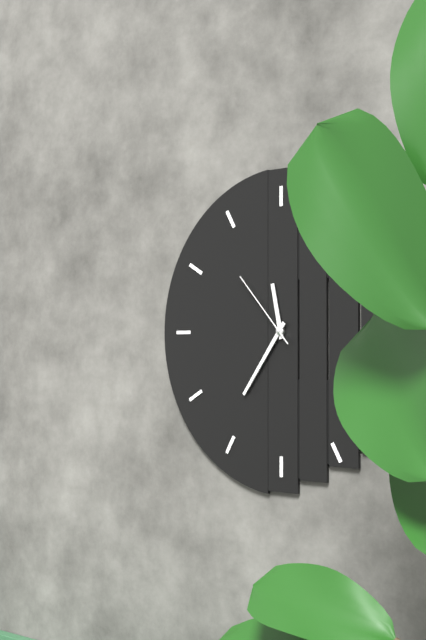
11:36:53
